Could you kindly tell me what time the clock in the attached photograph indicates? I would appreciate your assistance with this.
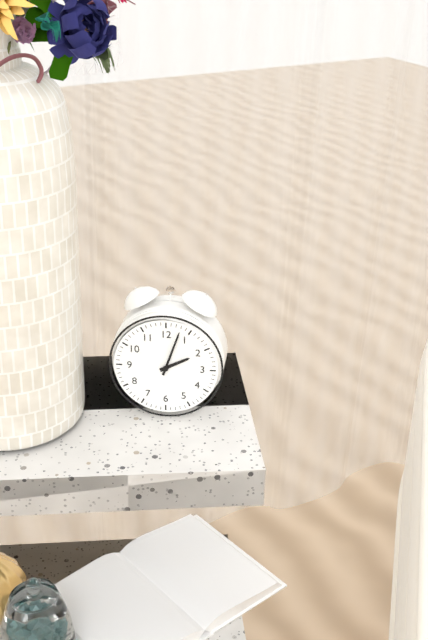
2:03
